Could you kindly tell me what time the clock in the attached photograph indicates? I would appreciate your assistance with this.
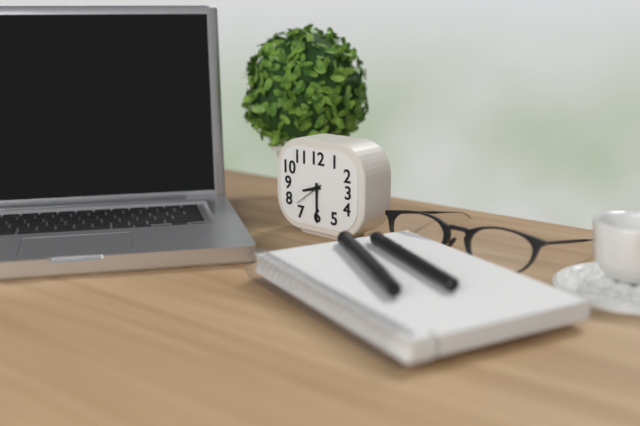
8:30
